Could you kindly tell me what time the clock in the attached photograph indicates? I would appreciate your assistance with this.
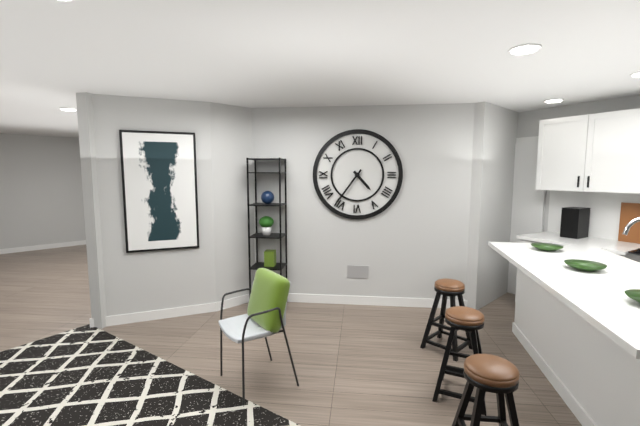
4:36
